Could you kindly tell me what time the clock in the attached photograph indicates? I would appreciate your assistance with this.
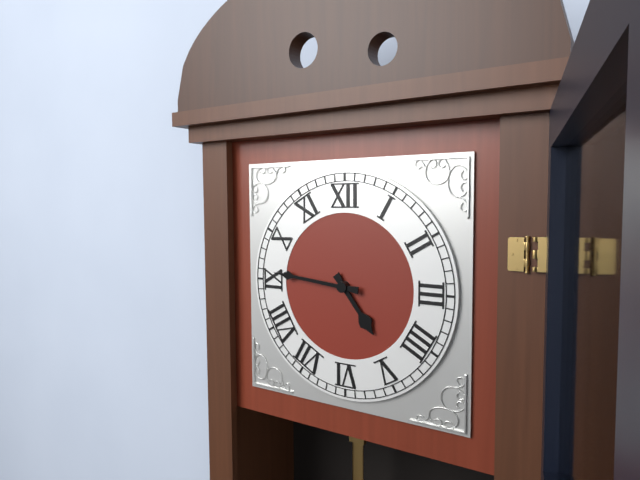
4:46
